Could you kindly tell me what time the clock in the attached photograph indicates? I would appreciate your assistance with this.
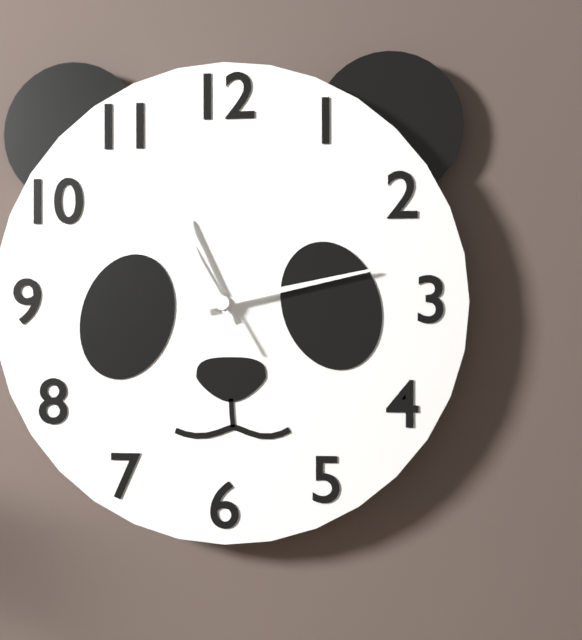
11:13:55
